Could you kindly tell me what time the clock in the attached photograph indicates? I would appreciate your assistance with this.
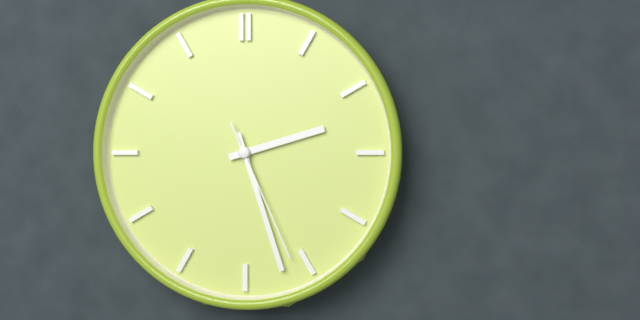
2:27:26
